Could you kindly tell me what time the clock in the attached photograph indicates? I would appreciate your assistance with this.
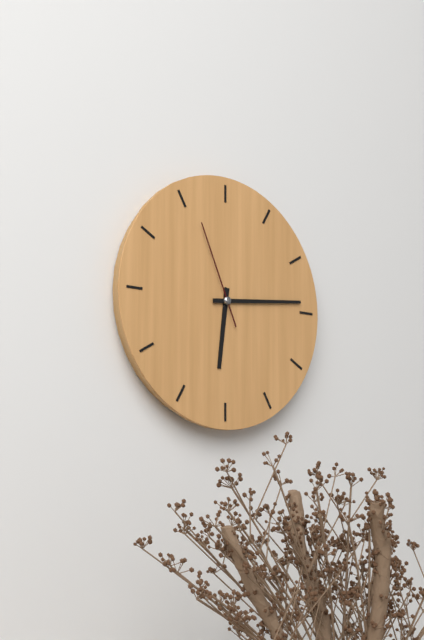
6:14:56
